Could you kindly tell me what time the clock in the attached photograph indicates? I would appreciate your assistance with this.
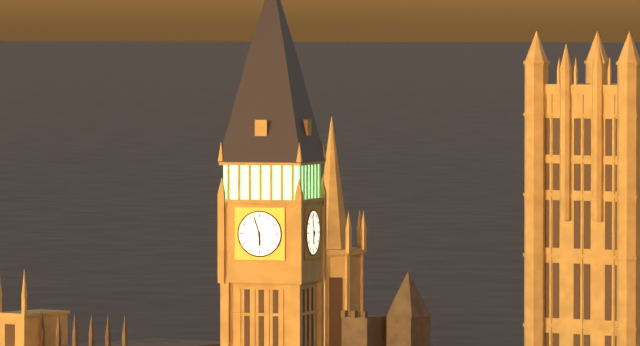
5:57
